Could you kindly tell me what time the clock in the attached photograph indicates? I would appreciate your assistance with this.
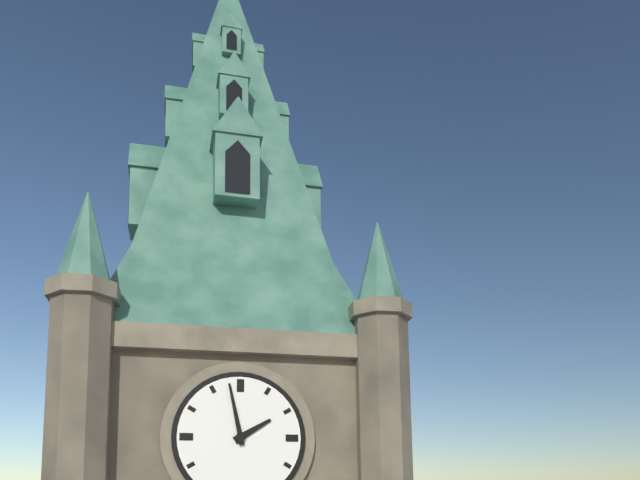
1:58
